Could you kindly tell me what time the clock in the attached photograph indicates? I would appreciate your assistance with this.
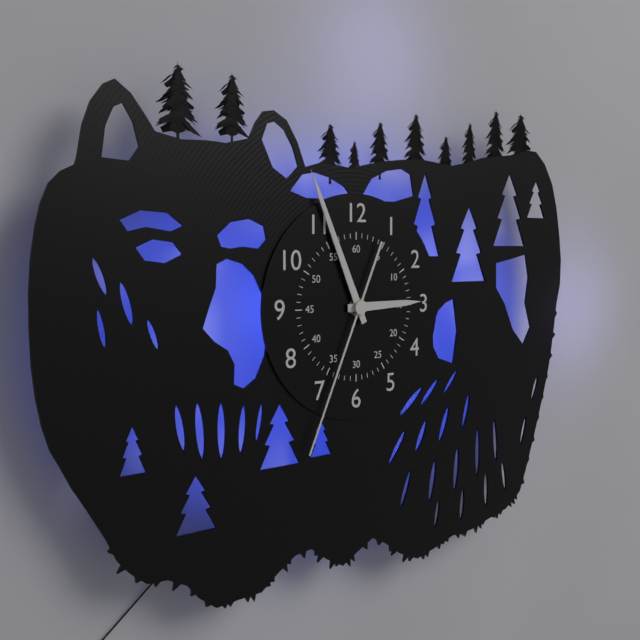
2:56:34
